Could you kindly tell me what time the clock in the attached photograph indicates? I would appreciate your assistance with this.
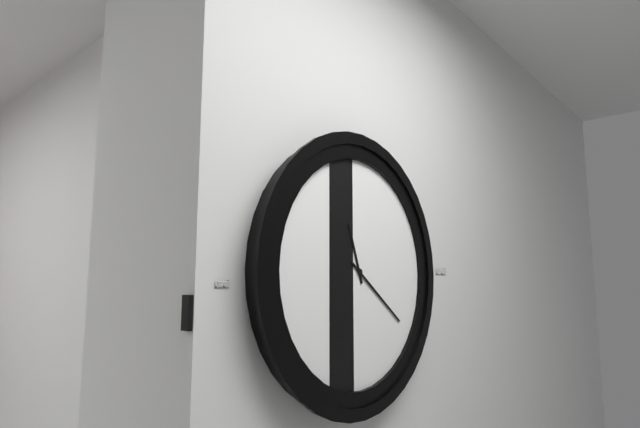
11:21
